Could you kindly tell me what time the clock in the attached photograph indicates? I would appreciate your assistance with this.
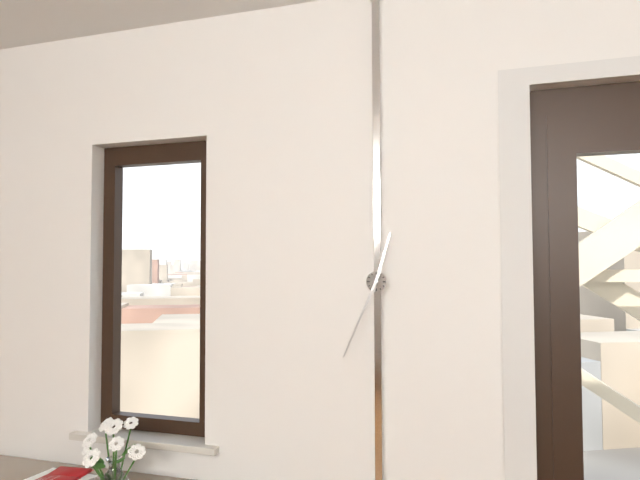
12:34
